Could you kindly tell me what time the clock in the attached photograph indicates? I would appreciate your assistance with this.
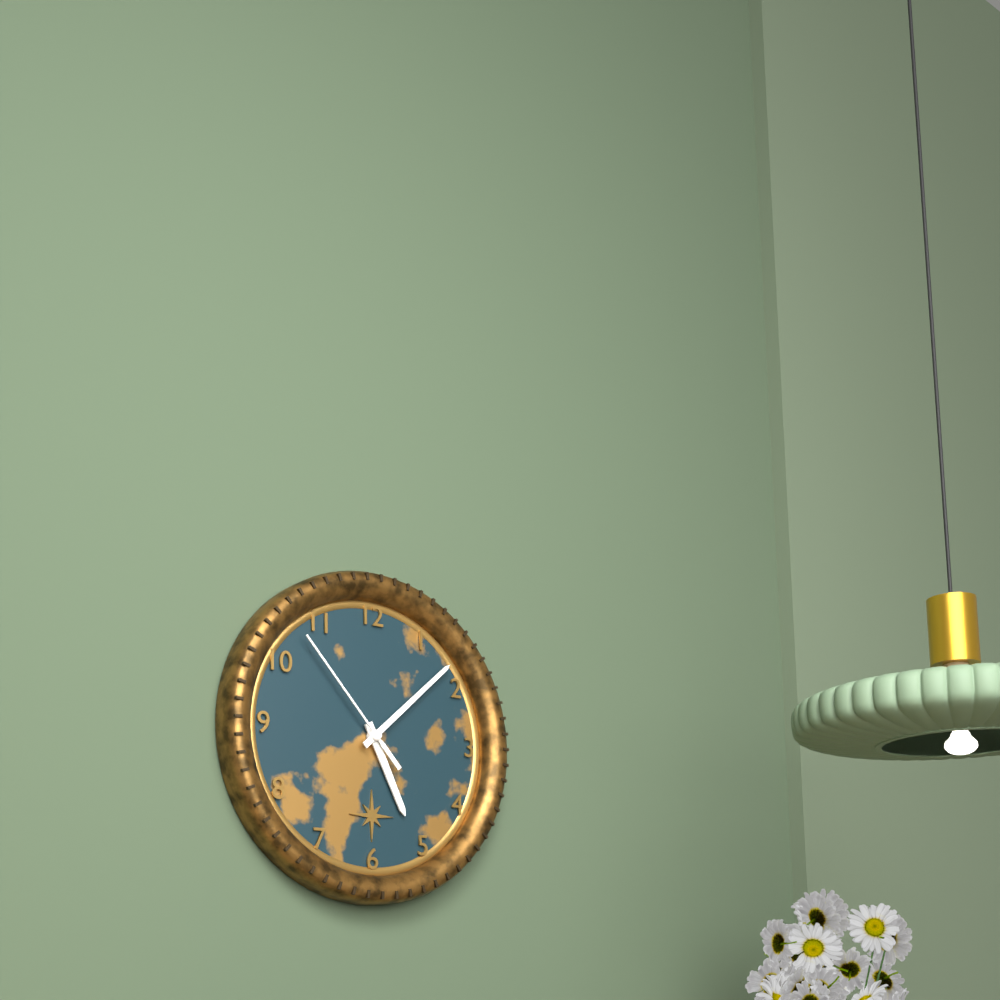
5:08:53
